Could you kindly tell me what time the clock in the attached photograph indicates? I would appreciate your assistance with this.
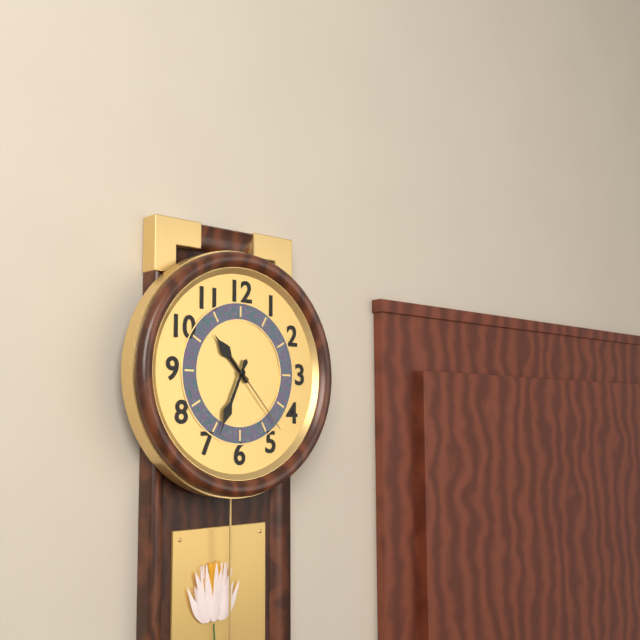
10:34:23
